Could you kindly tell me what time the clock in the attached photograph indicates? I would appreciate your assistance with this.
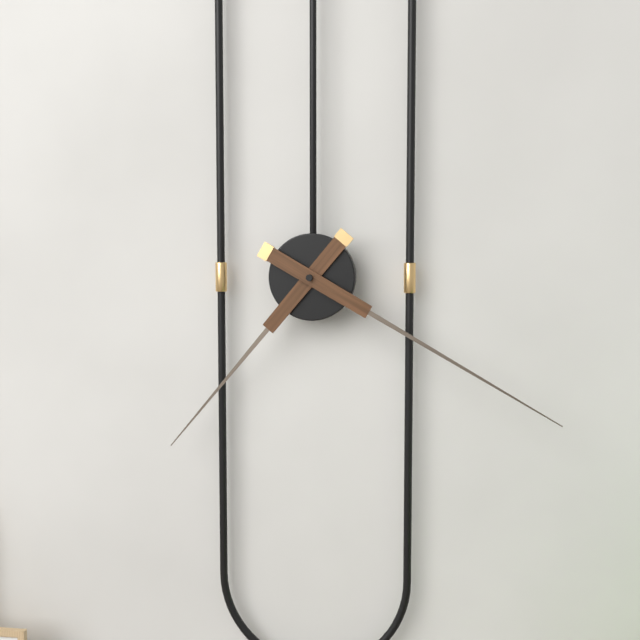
7:20
